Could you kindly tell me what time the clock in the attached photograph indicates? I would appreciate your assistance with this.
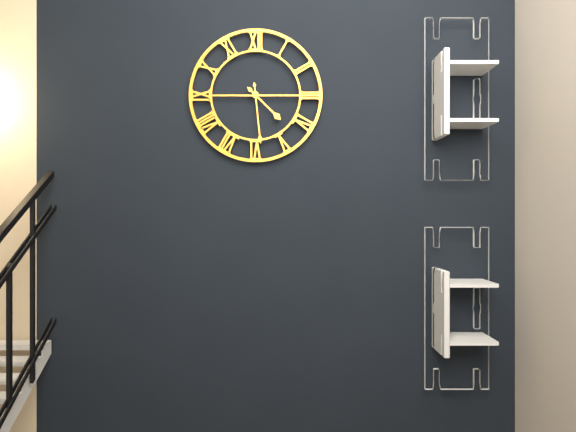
4:29
